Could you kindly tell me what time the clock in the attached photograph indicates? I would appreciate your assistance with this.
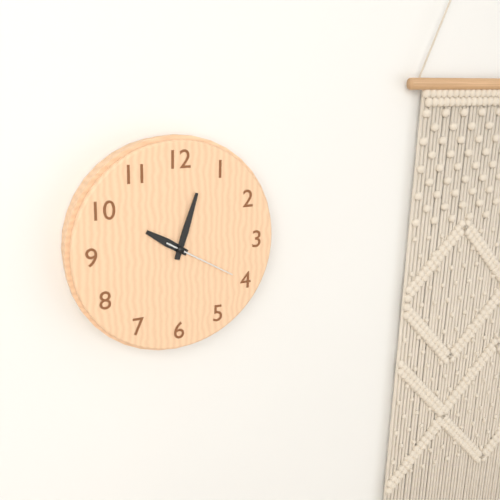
10:03:20
